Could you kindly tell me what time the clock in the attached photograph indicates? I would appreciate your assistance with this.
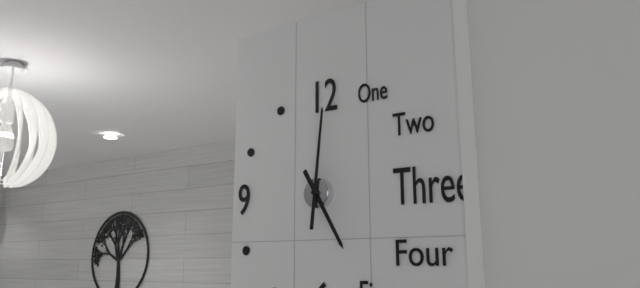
5:01
